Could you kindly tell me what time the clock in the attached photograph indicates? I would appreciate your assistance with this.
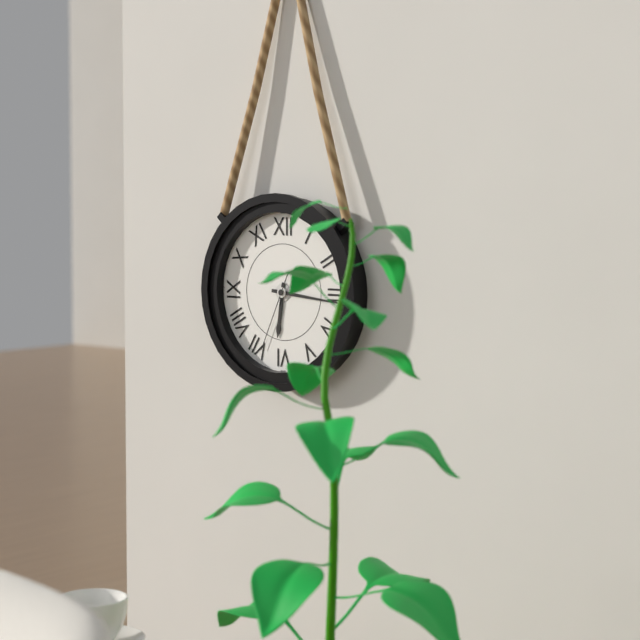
6:16:34
